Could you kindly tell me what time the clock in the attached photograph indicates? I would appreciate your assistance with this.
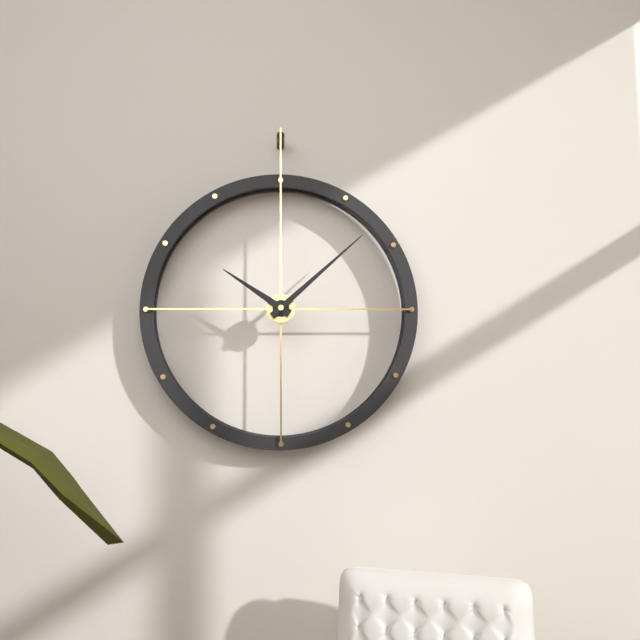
10:08
